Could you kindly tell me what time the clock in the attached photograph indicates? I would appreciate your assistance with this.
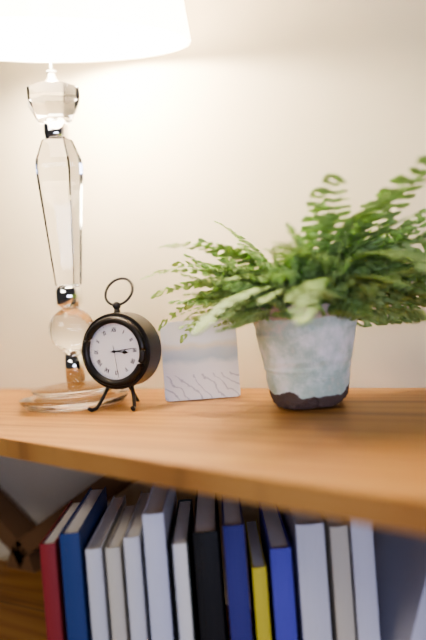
3:14
